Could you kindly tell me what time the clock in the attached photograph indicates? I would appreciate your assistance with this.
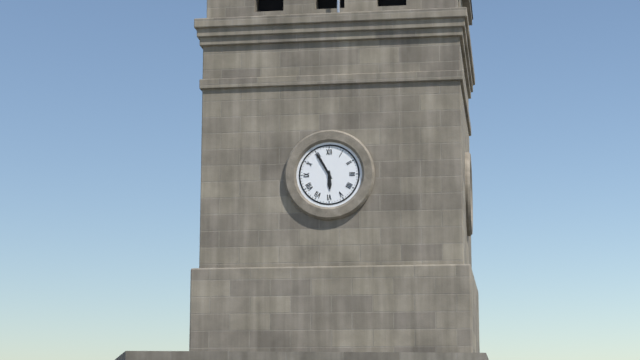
5:55
